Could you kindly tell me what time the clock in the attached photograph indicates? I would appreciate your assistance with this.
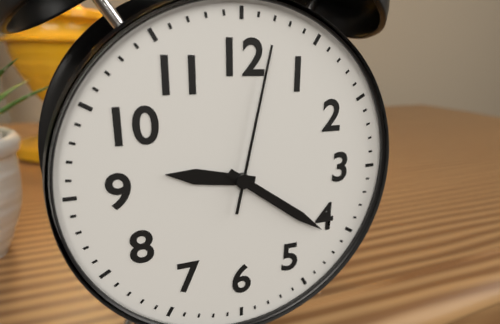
9:21:02
